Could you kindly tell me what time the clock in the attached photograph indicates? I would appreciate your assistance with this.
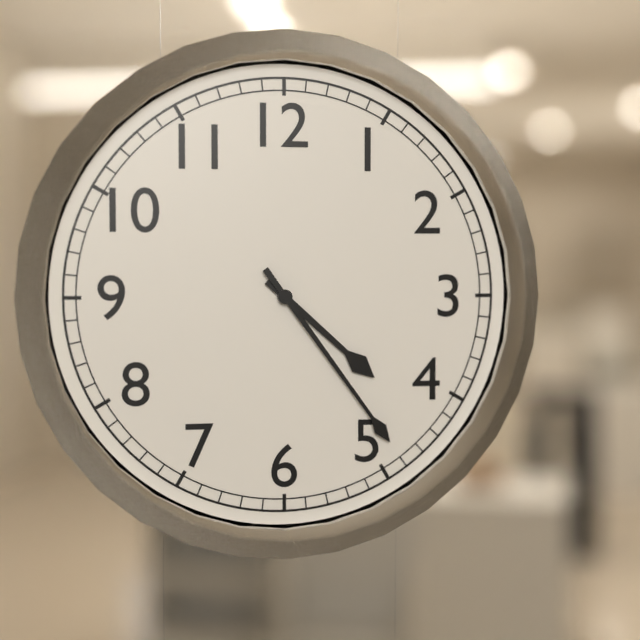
4:24
